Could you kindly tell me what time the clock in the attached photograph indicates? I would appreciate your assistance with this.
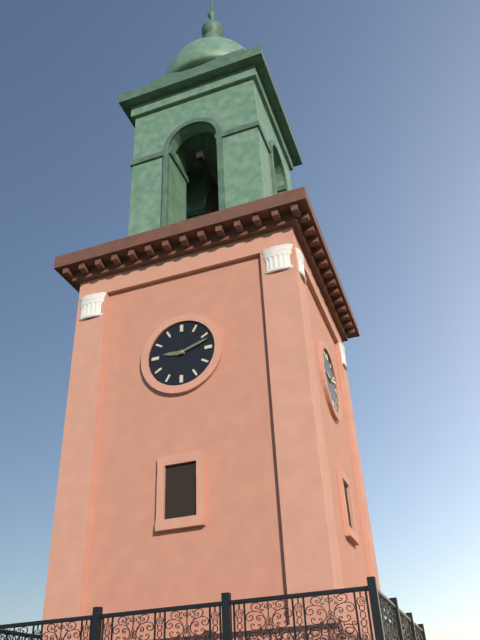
9:12
